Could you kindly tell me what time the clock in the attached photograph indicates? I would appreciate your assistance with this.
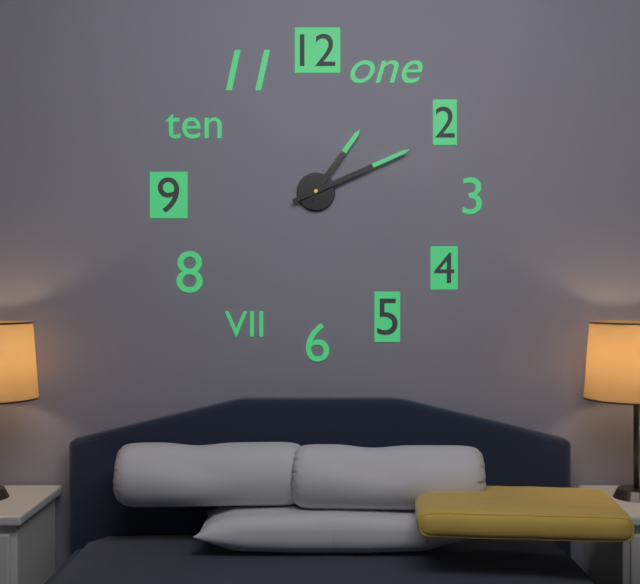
1:11
